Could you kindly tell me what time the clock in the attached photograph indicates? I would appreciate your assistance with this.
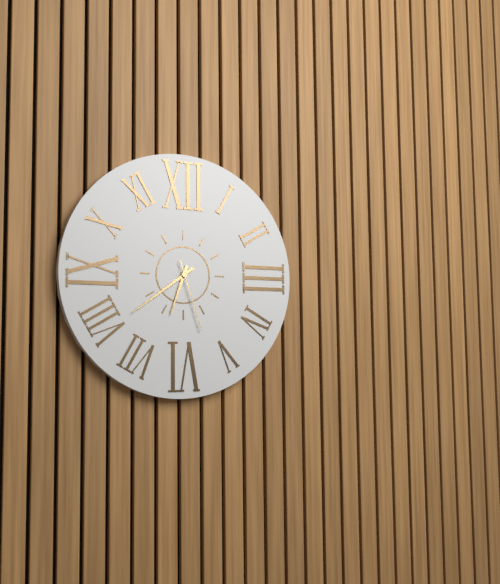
6:39:27
